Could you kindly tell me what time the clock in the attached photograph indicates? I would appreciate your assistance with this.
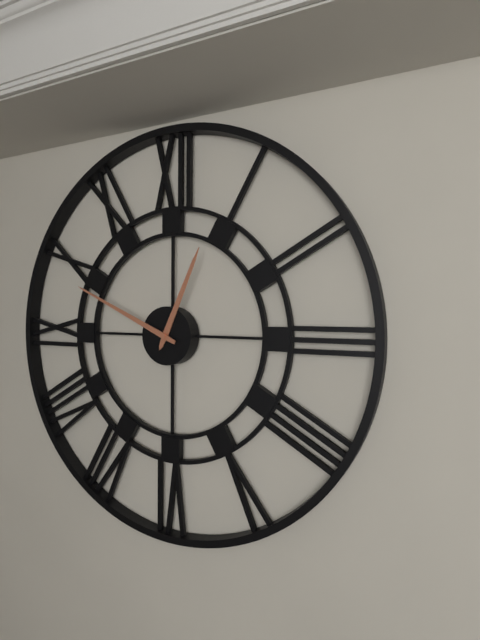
12:49
